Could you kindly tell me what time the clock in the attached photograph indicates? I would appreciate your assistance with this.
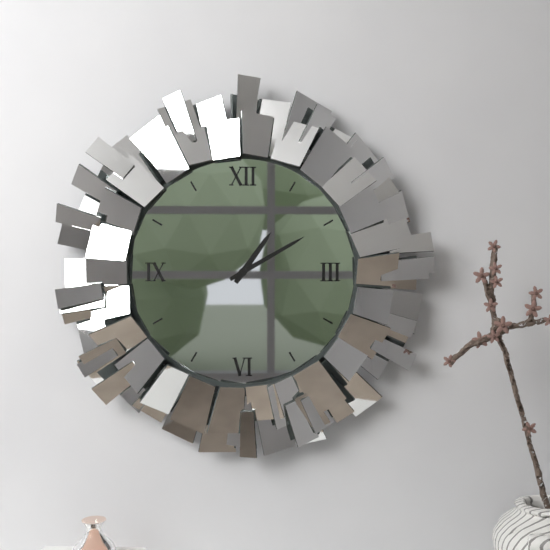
1:10
